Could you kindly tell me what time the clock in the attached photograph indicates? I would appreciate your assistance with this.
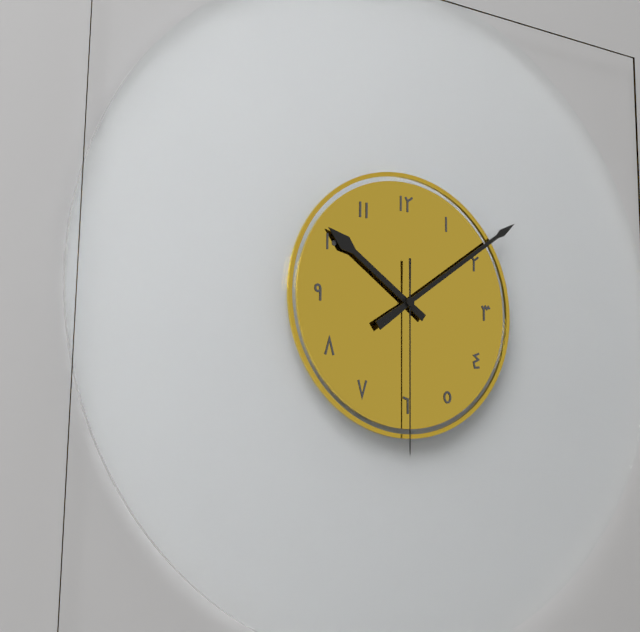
10:09:30
